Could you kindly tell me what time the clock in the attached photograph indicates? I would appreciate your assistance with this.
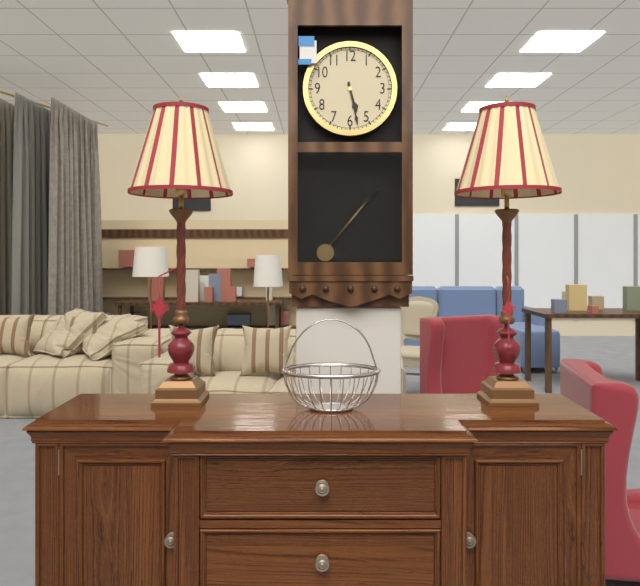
5:28
